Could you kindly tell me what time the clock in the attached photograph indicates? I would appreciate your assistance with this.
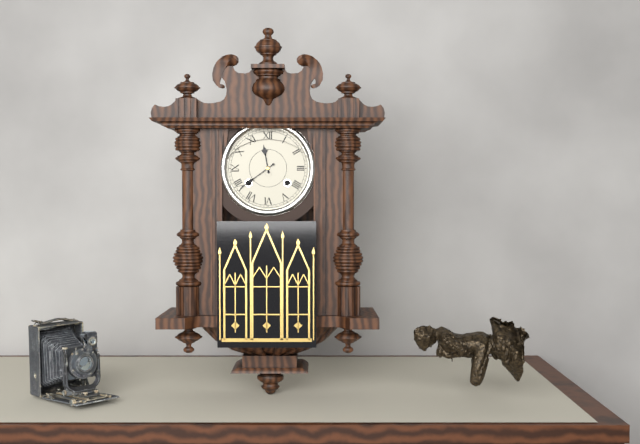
11:39
